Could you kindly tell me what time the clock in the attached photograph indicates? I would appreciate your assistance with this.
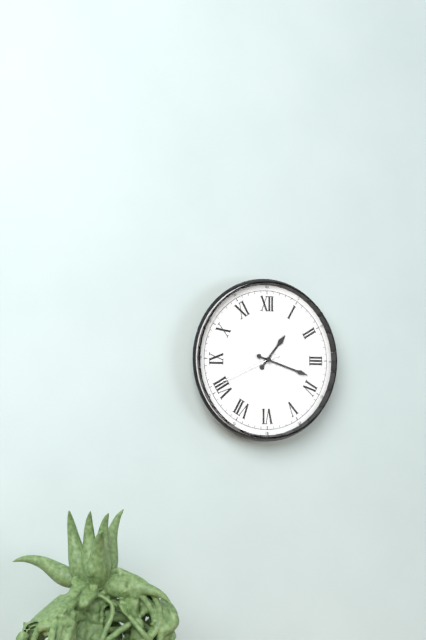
1:18:41
